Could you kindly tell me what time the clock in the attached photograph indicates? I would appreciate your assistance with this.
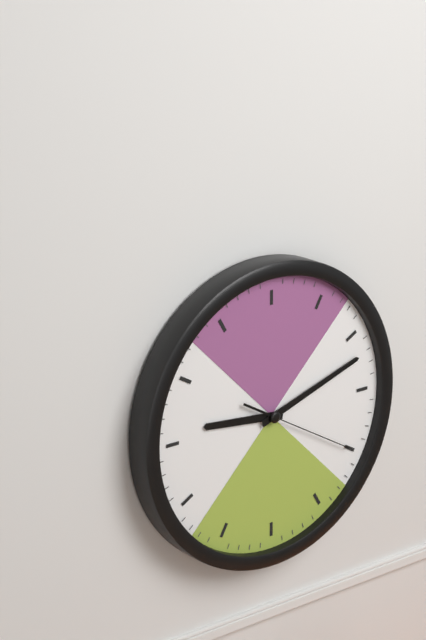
9:12:20
